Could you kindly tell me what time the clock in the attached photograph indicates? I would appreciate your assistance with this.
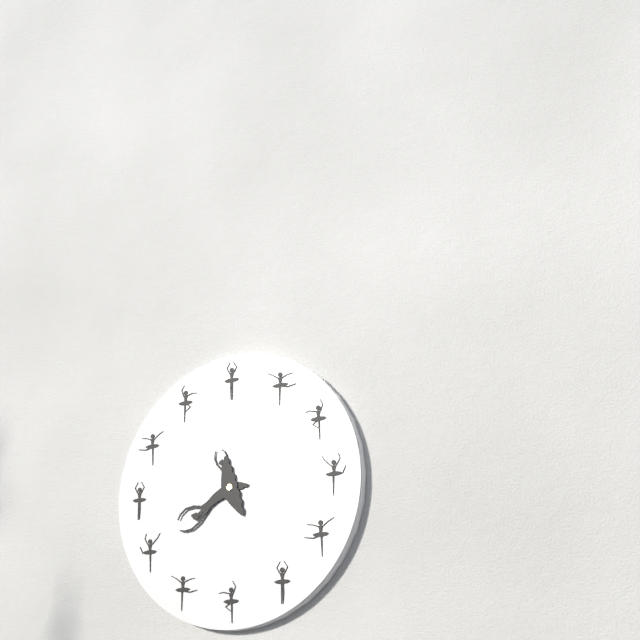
11:42
